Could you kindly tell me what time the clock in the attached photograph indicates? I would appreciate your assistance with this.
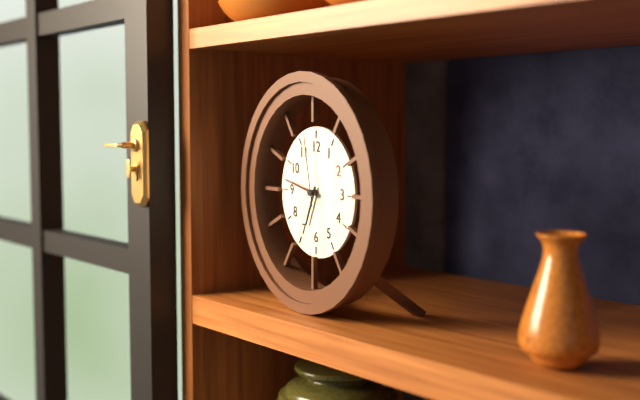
6:47:58
